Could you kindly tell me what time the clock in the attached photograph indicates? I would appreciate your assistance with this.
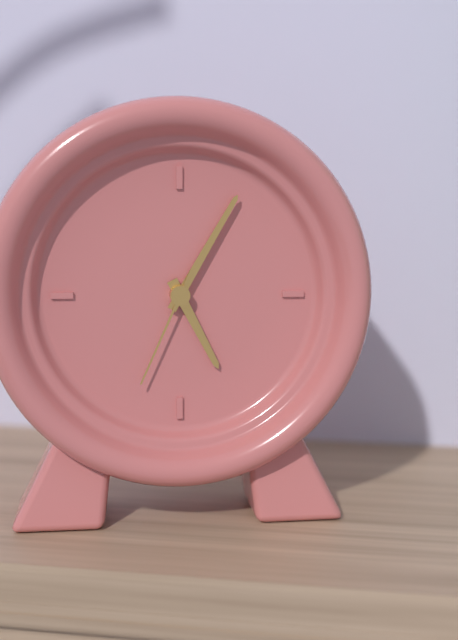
5:05:34
